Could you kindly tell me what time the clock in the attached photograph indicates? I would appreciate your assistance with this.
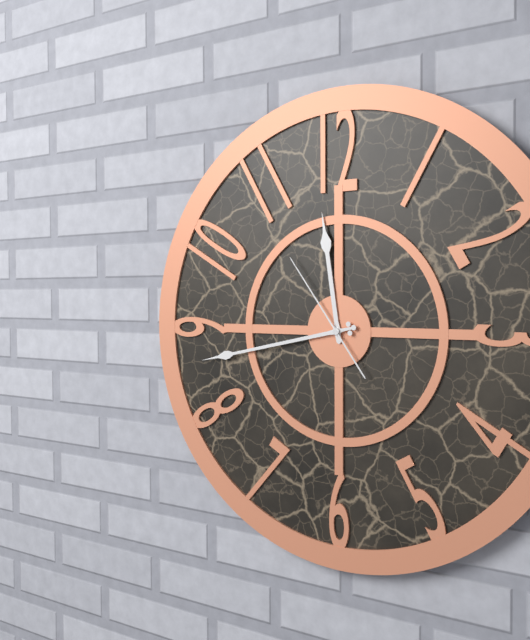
11:43:54
